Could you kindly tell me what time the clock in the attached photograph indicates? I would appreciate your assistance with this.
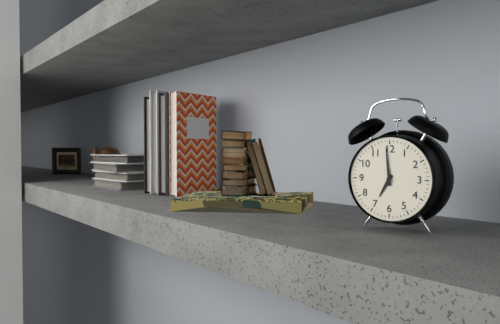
6:59
